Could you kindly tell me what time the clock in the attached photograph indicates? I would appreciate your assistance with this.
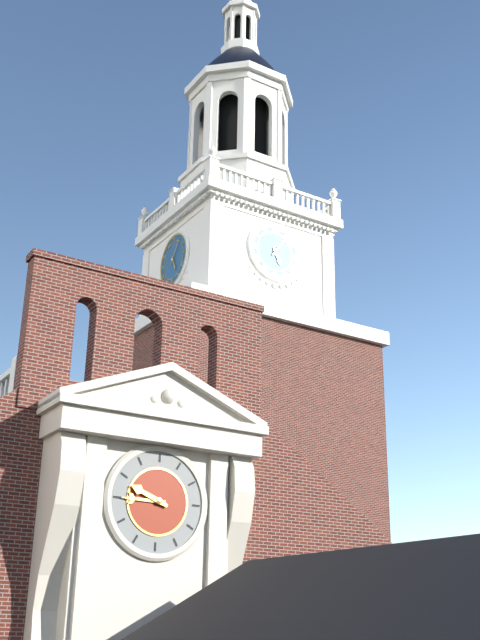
5:06
